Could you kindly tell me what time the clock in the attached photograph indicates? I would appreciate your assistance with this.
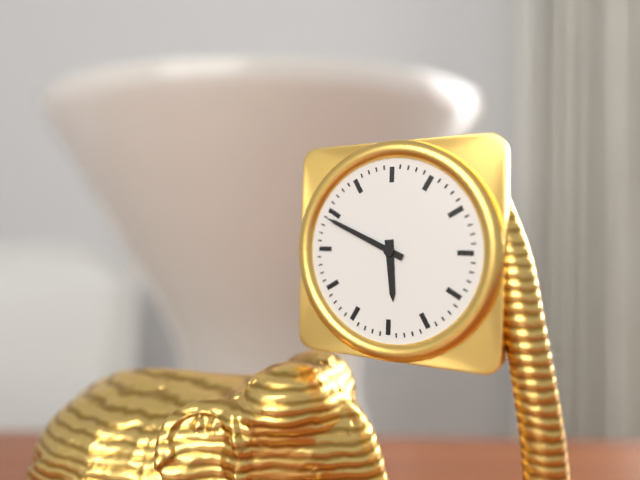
5:49
